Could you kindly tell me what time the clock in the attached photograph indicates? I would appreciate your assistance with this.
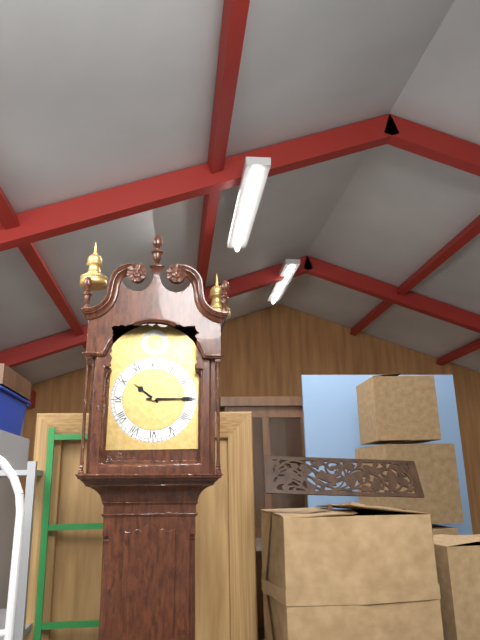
10:15
